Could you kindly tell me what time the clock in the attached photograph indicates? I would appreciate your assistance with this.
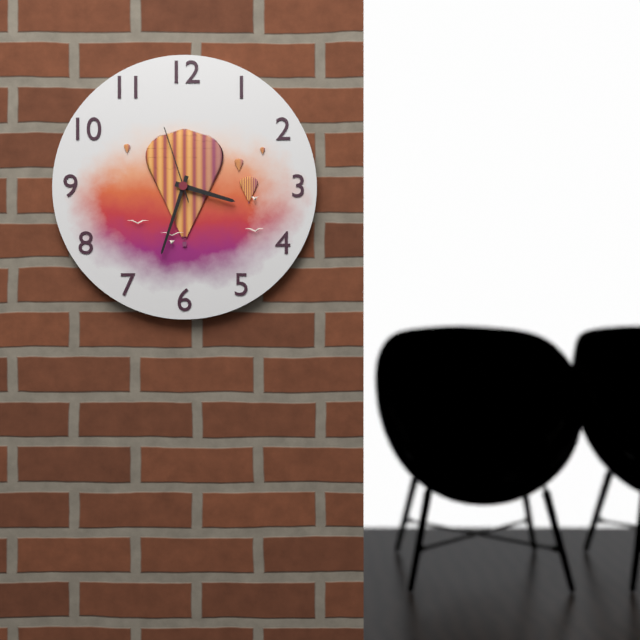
3:33:57
